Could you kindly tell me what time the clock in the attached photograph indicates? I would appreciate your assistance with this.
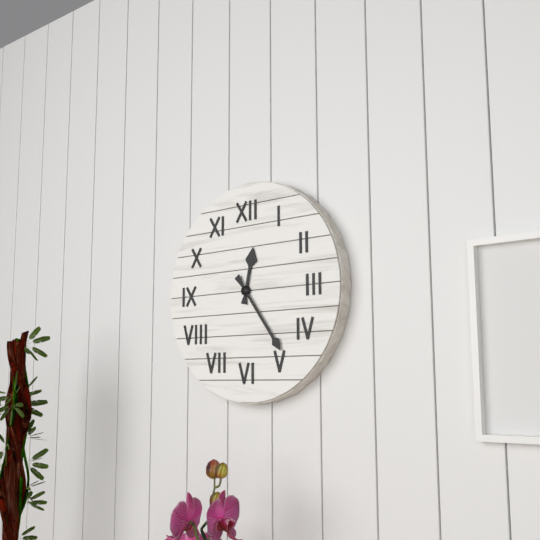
12:24
